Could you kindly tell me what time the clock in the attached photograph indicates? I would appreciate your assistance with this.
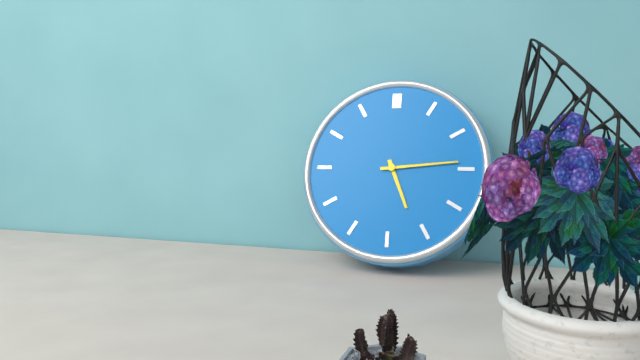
5:14
